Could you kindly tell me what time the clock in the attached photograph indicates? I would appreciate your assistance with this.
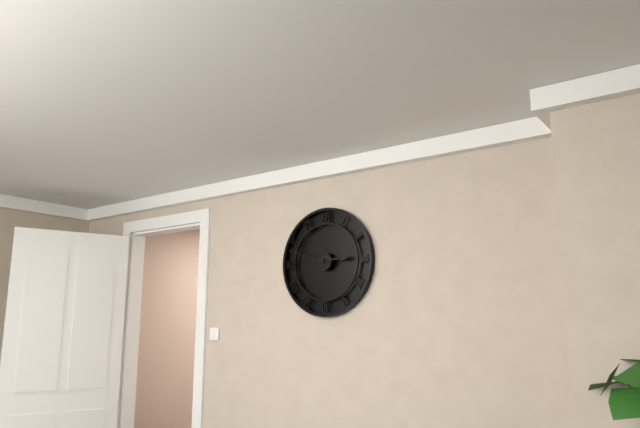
2:48
